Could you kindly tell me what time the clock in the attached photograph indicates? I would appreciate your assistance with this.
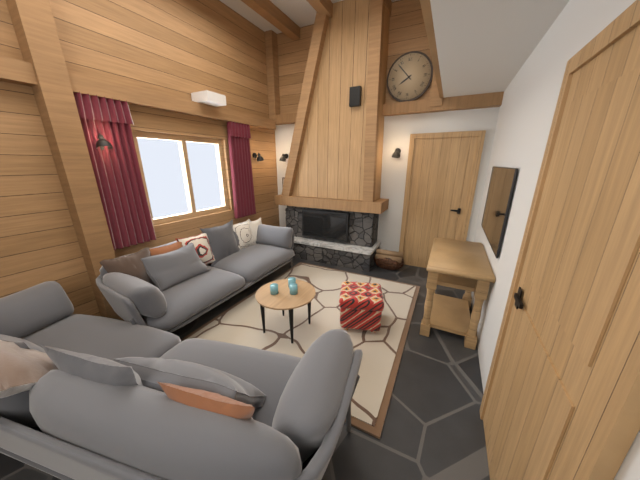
7:53
